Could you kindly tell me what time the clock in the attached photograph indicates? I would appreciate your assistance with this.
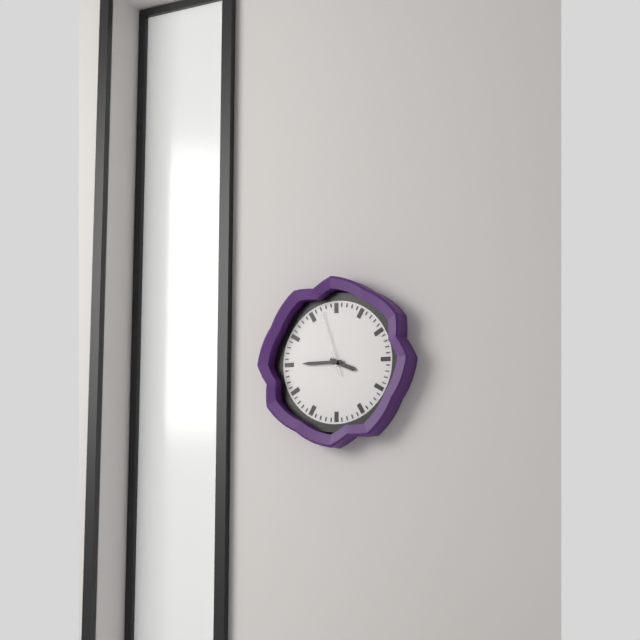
3:45:57
